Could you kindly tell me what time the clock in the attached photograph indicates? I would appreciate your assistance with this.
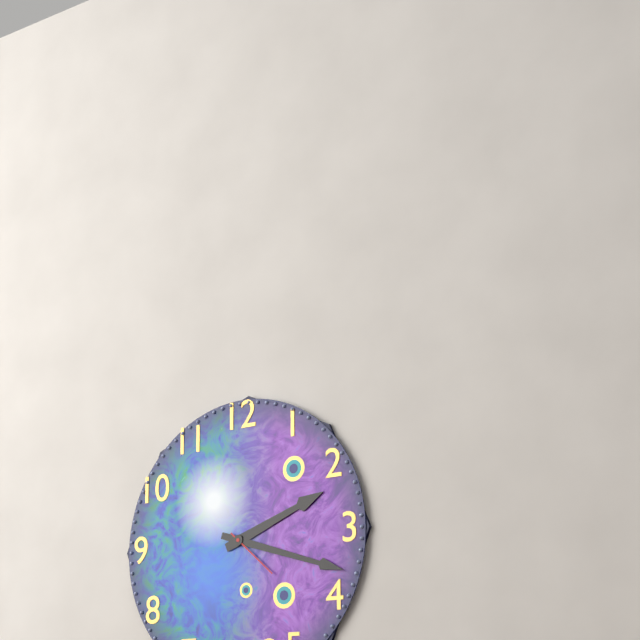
2:18:22
